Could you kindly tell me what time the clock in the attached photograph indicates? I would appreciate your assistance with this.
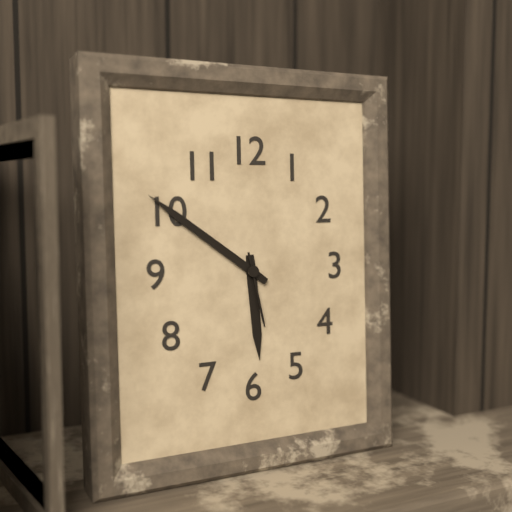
5:51:28
